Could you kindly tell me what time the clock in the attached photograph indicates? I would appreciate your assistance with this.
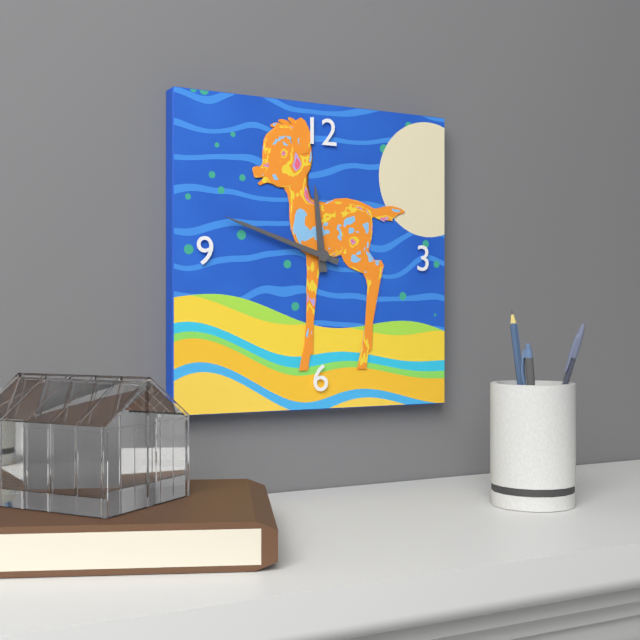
11:48
